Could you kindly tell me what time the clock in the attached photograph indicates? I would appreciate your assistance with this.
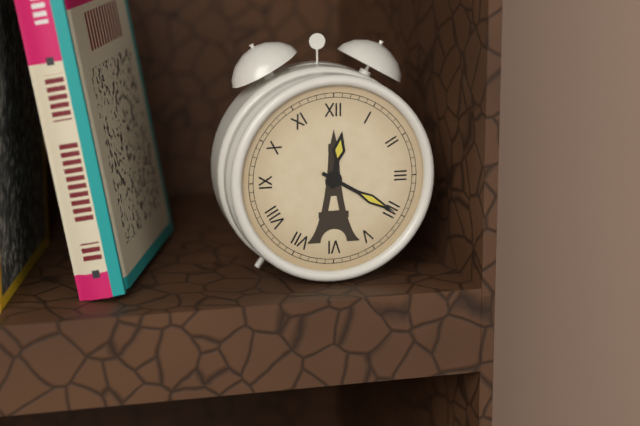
12:20
